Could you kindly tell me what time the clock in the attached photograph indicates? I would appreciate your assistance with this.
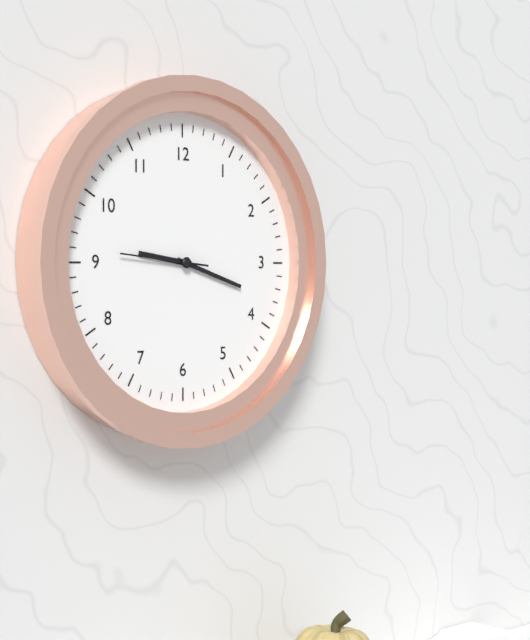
9:18:46
